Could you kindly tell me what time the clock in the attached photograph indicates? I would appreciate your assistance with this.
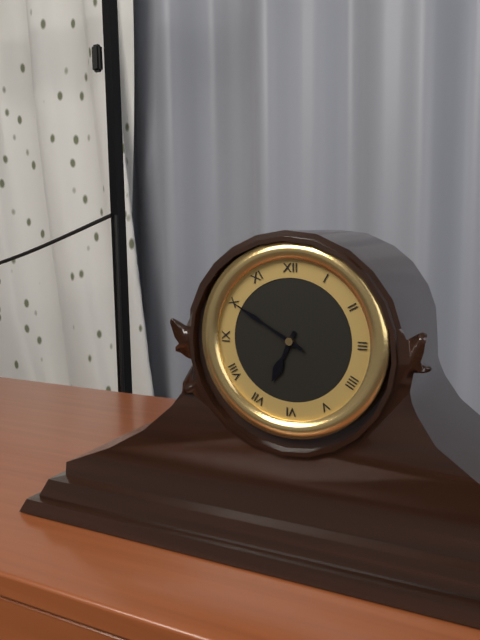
6:50
